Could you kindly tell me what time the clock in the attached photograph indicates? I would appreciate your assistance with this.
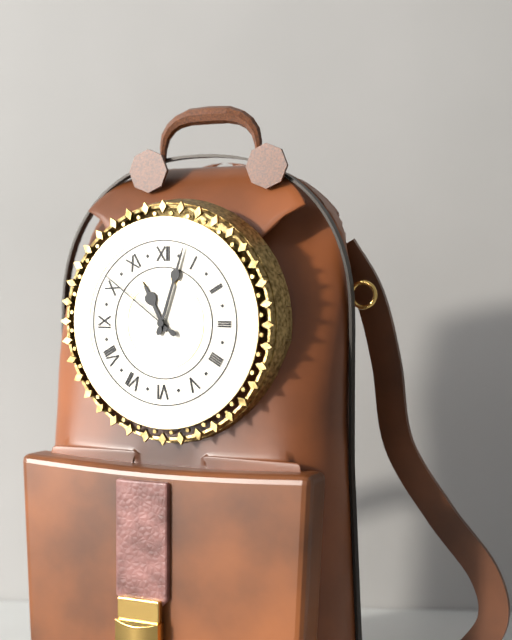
11:03:51
